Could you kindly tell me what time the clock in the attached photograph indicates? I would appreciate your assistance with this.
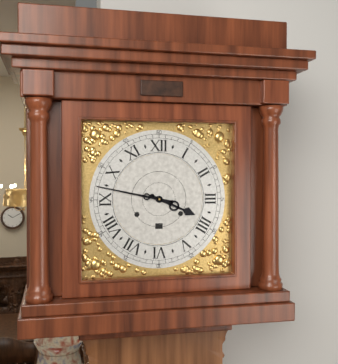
3:47
